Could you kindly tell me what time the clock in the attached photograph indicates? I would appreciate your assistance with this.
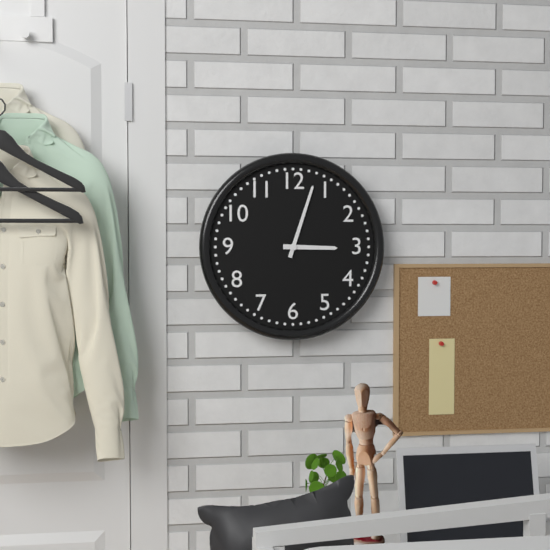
3:03
